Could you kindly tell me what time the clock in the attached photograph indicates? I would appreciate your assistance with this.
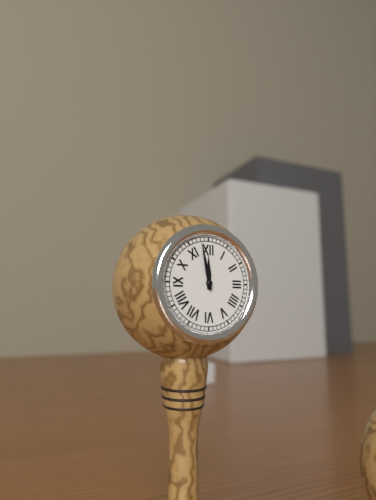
11:58
